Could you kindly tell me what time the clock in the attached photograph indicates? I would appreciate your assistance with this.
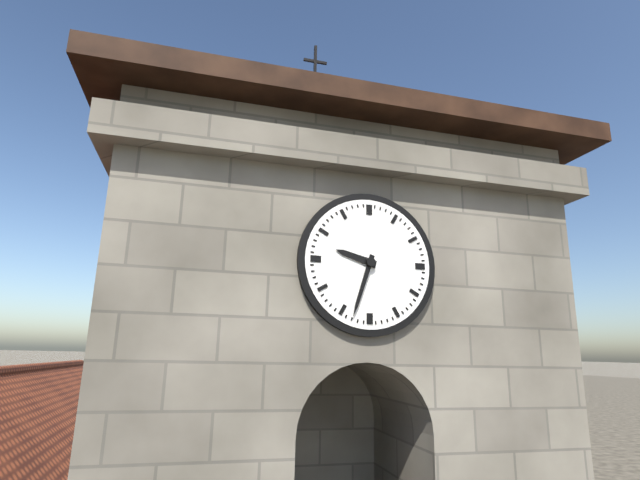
9:33
